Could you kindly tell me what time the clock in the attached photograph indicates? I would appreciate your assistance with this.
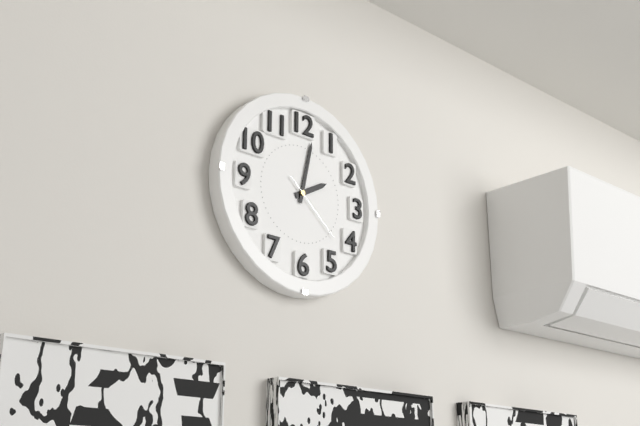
2:02:22
